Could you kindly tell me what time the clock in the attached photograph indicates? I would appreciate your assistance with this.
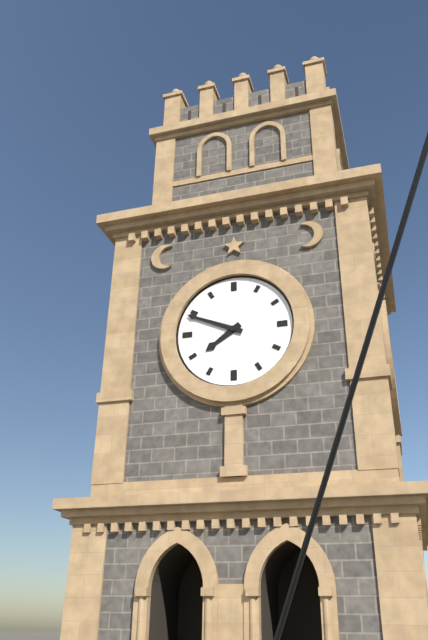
7:49
